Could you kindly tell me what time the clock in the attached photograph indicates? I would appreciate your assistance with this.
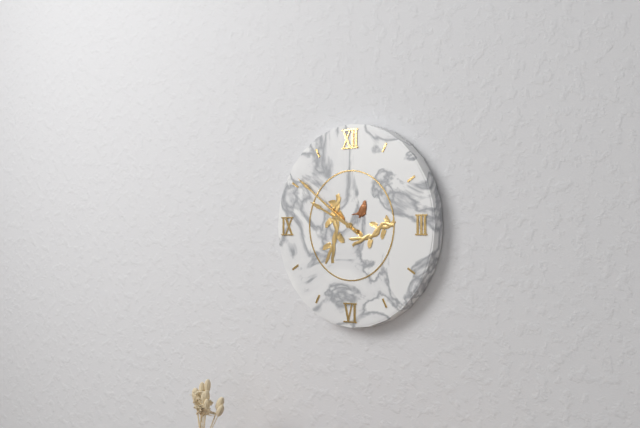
9:51
